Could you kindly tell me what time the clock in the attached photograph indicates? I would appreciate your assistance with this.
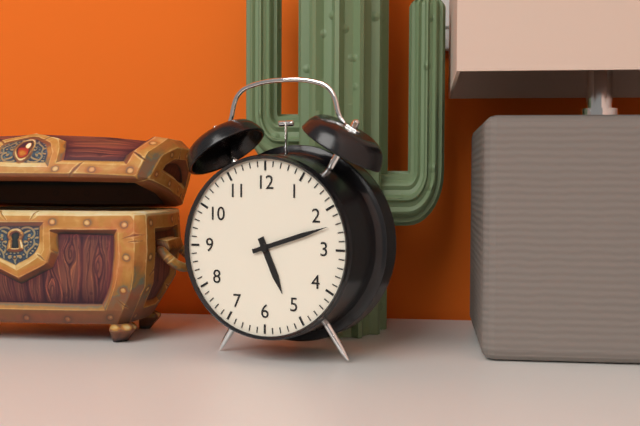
5:12
